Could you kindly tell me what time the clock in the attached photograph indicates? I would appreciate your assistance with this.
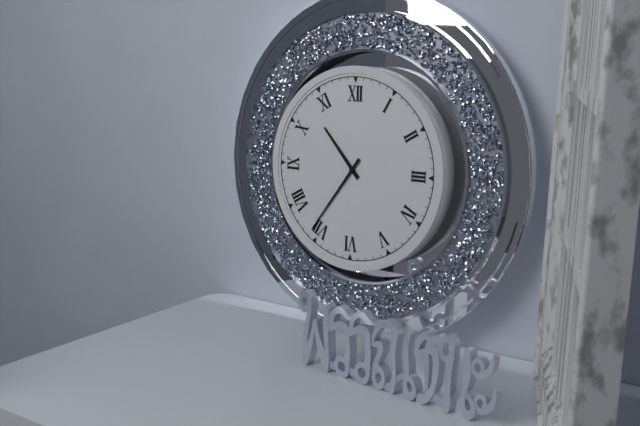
10:36
